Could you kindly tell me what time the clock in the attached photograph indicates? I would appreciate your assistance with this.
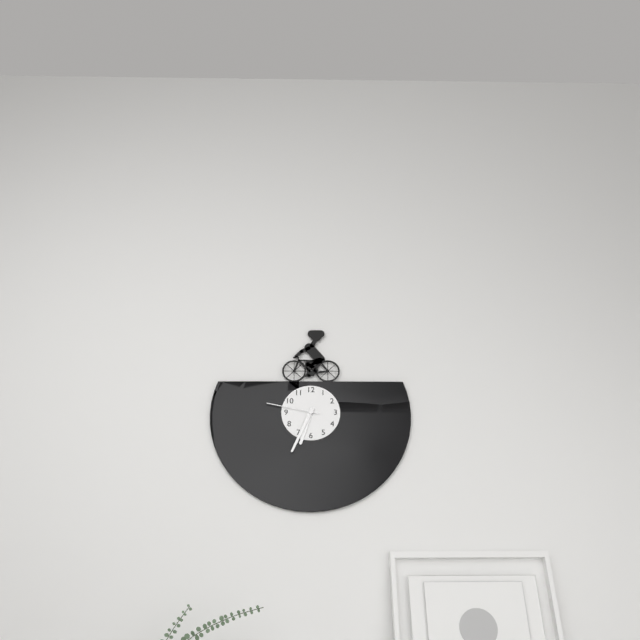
6:34:47
